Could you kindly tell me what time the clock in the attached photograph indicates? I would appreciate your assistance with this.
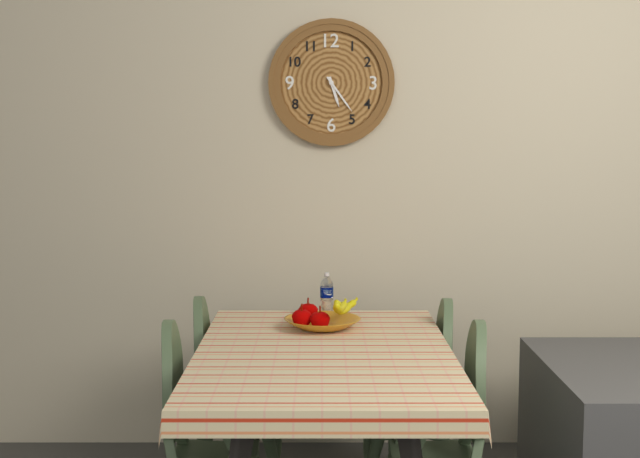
5:24
